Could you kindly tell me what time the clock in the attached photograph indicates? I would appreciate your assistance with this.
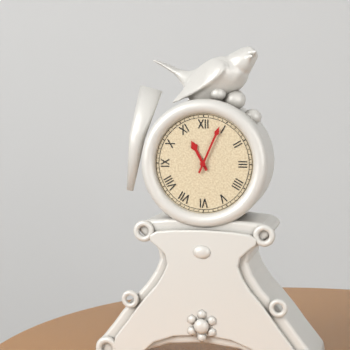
11:04
